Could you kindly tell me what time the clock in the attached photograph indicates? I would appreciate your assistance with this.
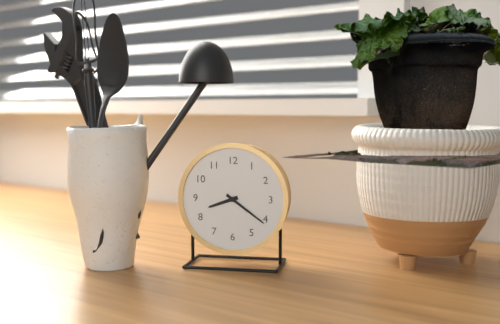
8:21
